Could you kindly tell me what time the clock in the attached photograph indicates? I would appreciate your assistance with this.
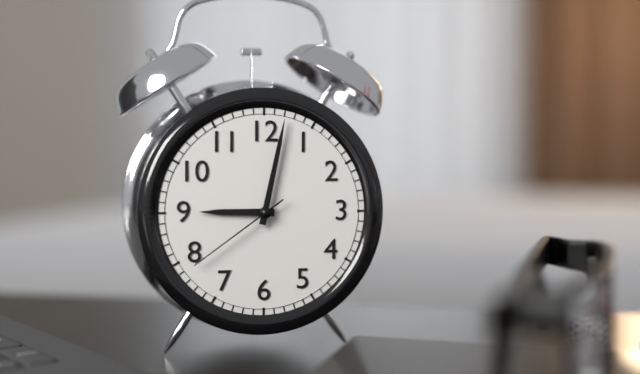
9:02:39
